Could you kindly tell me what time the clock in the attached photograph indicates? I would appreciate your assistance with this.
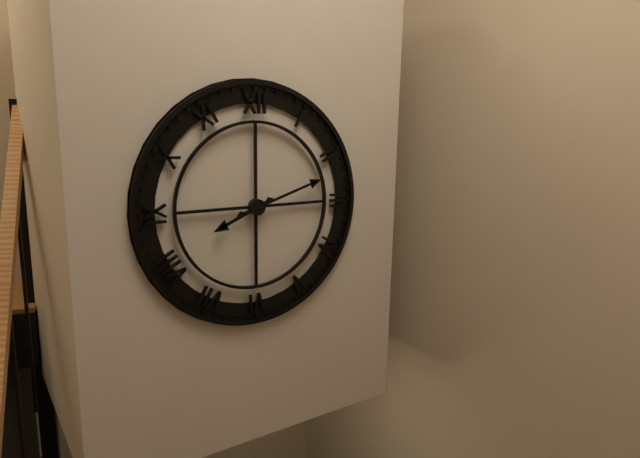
8:12
